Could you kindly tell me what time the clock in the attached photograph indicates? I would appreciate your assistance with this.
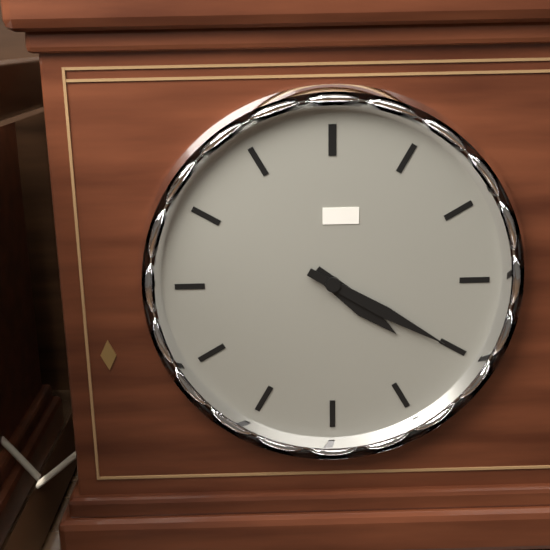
4:20
